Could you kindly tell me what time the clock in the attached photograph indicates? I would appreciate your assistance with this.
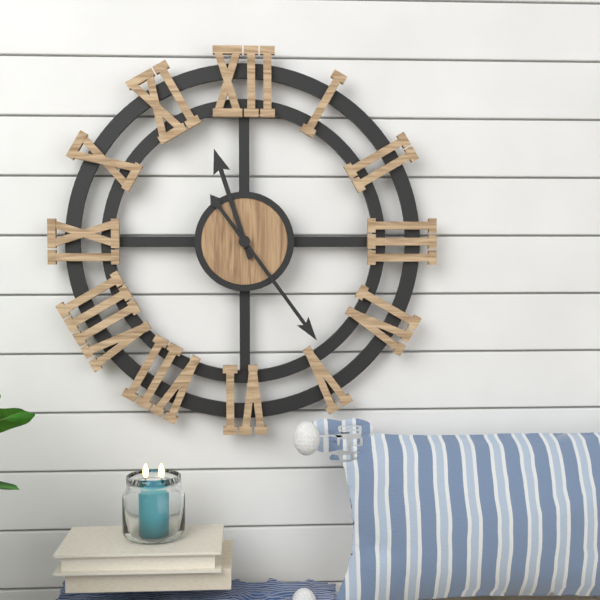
11:24
